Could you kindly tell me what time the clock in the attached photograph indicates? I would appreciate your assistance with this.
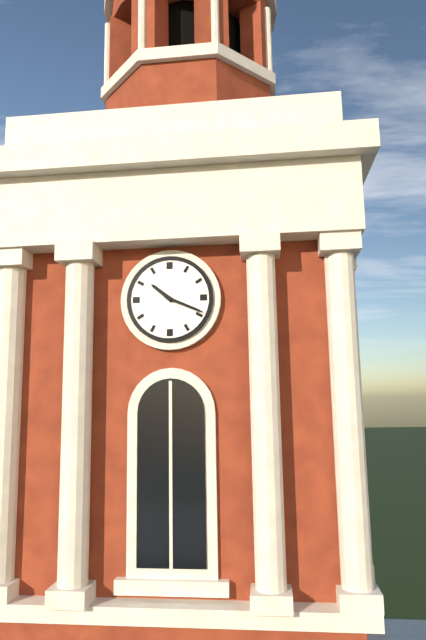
10:19
